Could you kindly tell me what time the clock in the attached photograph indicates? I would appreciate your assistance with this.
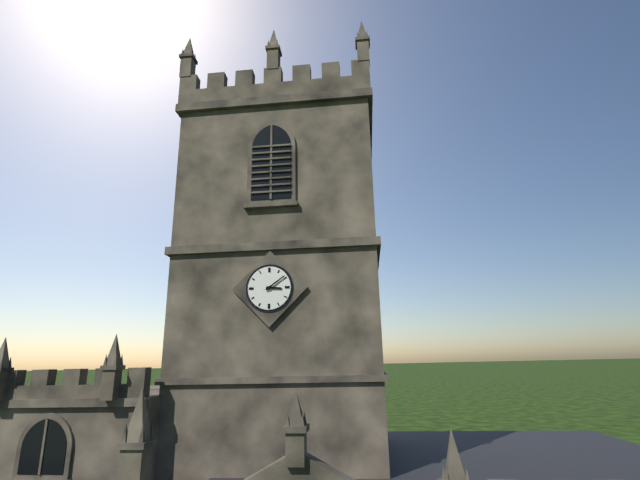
3:09
